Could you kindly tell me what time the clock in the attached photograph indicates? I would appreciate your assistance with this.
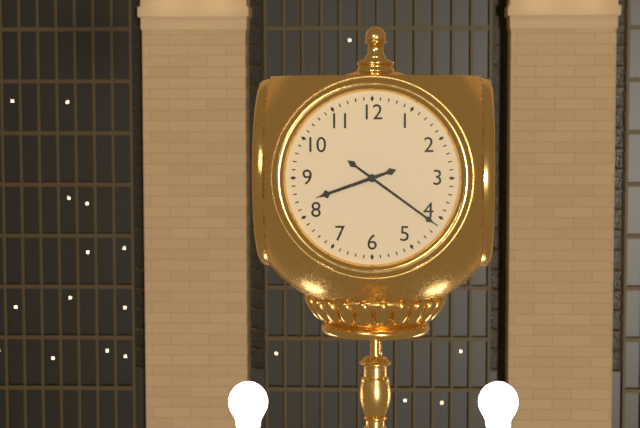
8:21
